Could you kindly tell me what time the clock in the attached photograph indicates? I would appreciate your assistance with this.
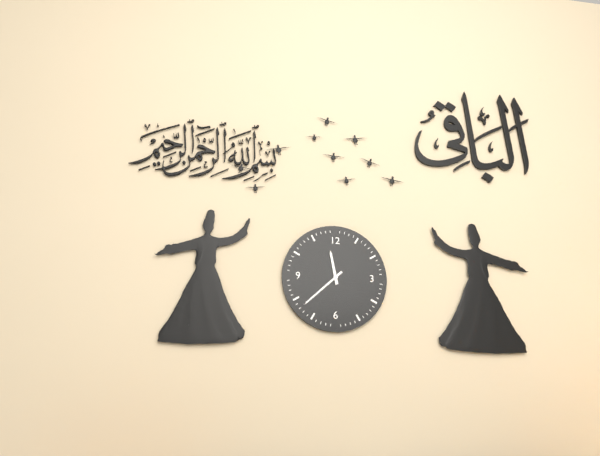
11:38
